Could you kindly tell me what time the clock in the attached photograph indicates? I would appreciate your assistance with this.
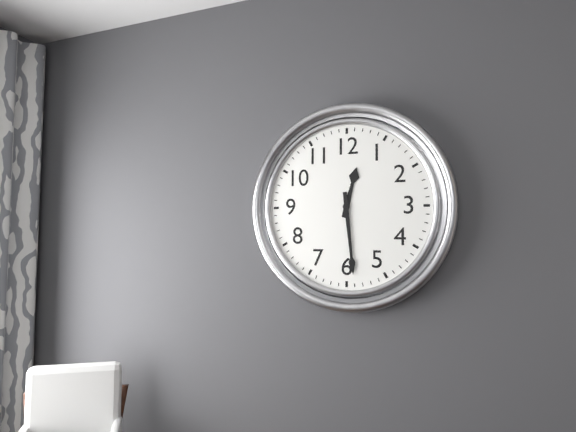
12:29
